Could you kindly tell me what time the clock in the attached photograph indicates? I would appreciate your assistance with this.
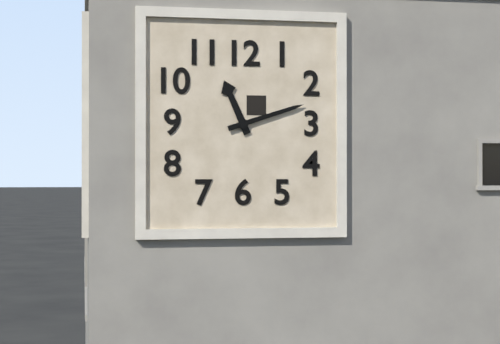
11:12
